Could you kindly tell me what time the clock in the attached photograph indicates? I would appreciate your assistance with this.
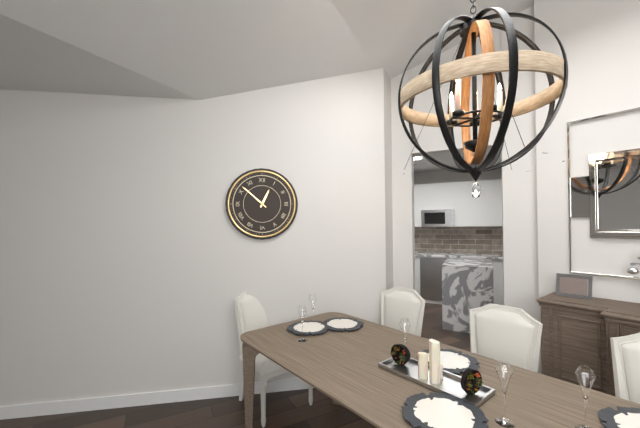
12:52
